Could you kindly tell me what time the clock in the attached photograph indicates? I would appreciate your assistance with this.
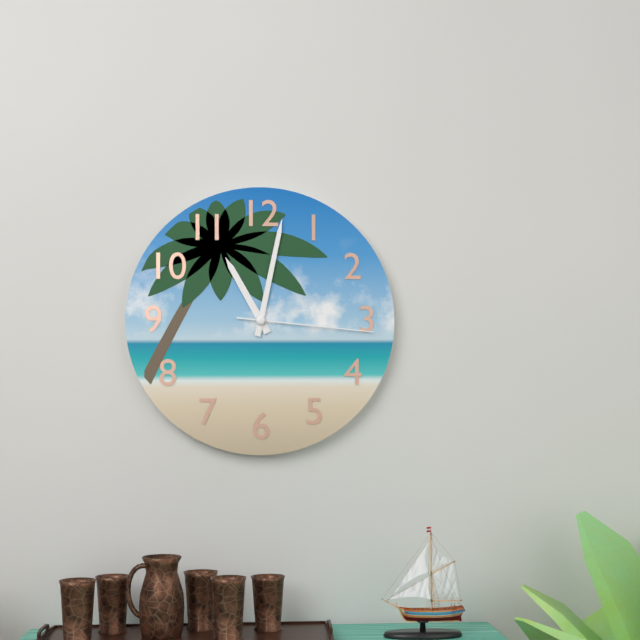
11:02:16
